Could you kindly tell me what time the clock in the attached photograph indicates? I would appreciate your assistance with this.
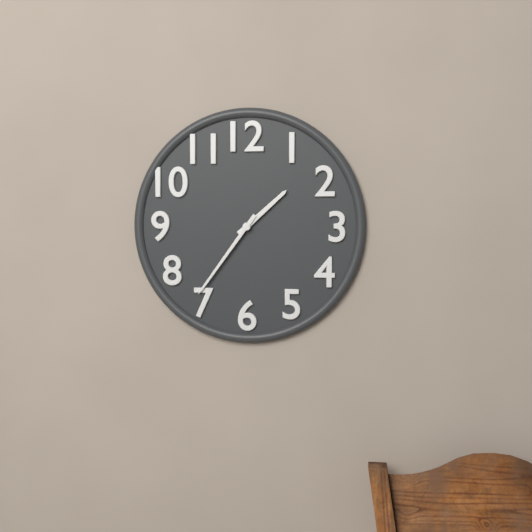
1:36
